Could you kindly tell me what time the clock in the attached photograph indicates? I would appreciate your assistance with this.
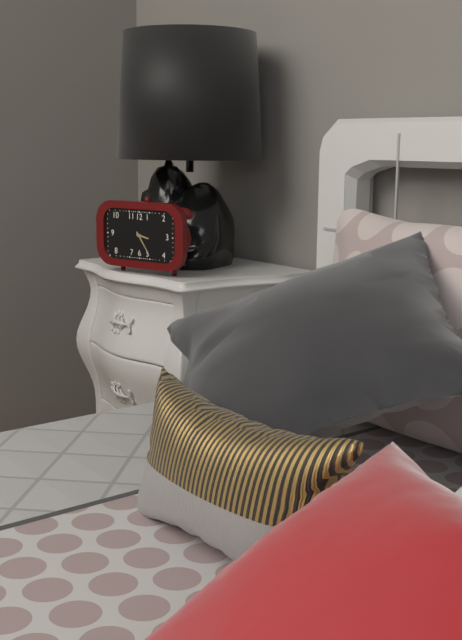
3:24
